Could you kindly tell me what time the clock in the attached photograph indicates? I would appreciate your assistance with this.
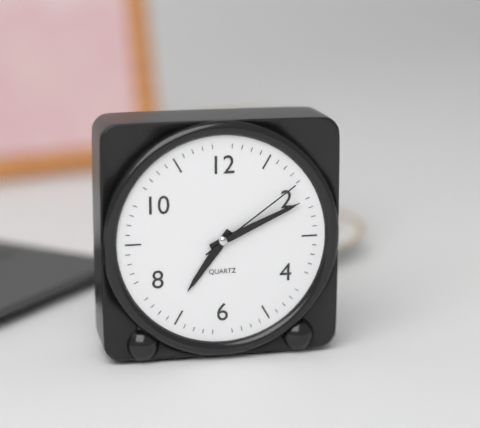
7:11:09
